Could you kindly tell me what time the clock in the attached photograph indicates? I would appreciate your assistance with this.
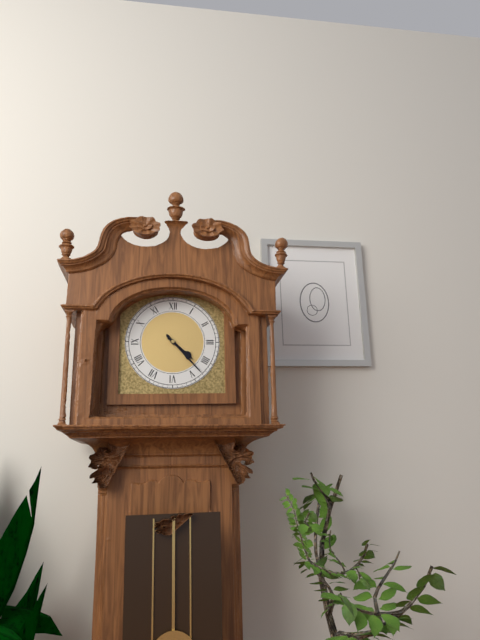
4:23
